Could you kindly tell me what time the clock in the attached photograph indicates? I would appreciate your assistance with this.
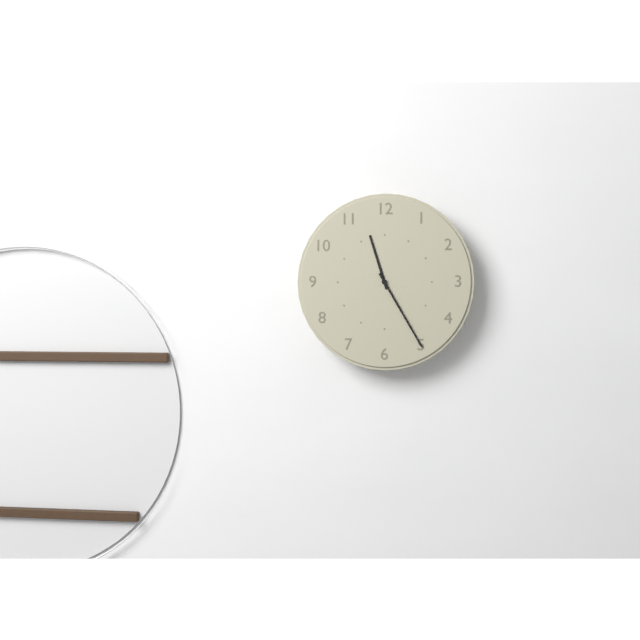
11:25
